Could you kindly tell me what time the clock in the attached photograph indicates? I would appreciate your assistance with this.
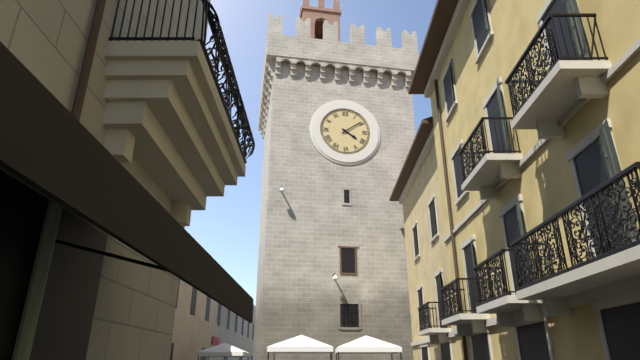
4:09
